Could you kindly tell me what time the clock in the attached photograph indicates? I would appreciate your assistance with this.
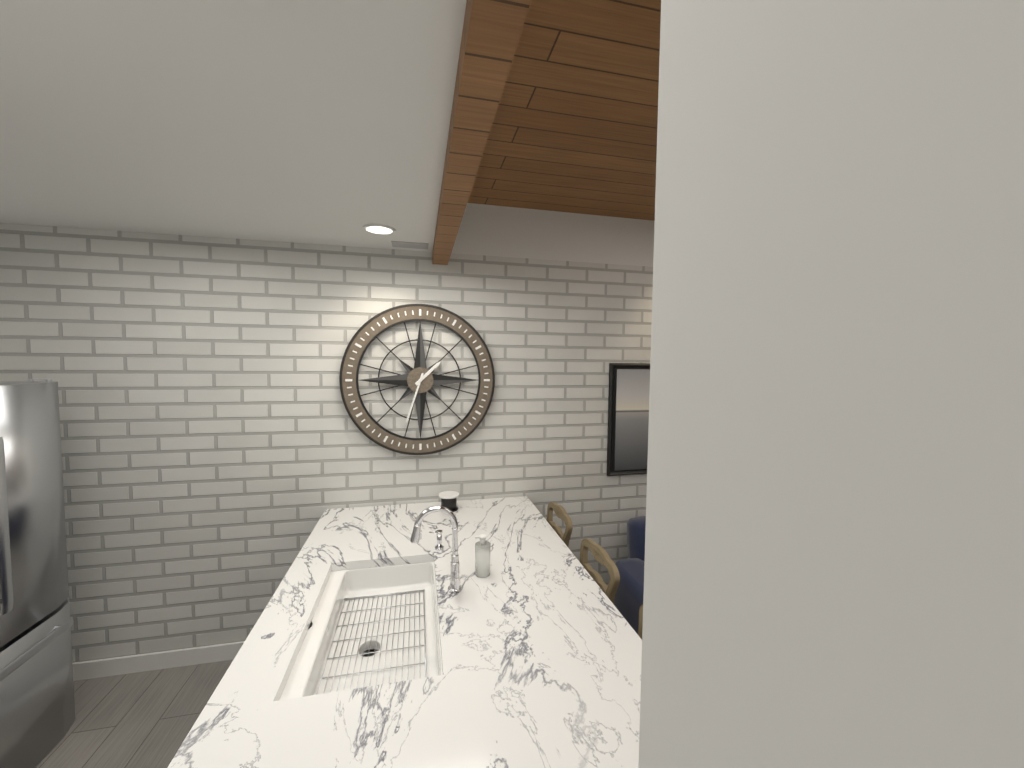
1:33
